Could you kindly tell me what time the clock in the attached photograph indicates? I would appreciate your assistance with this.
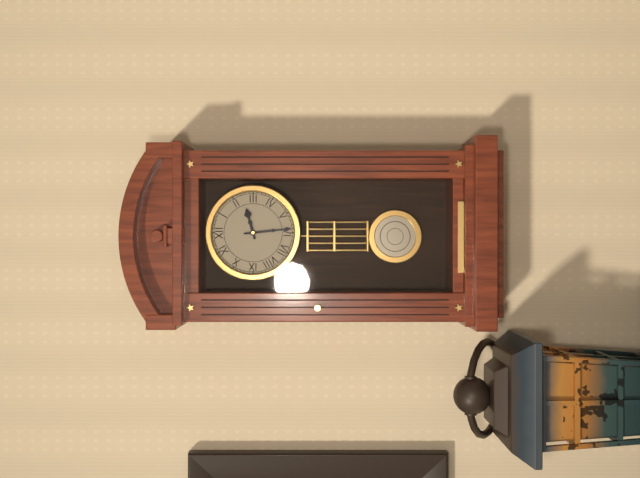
2:29
